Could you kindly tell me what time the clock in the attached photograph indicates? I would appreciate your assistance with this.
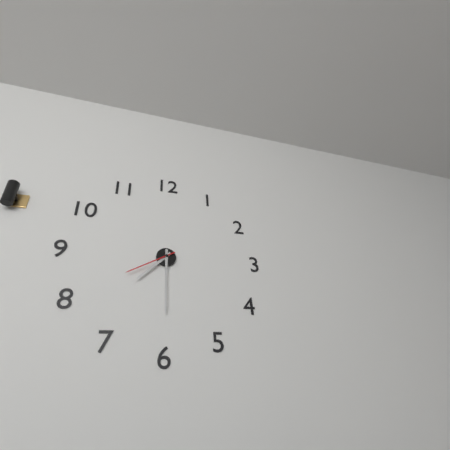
7:30:40
